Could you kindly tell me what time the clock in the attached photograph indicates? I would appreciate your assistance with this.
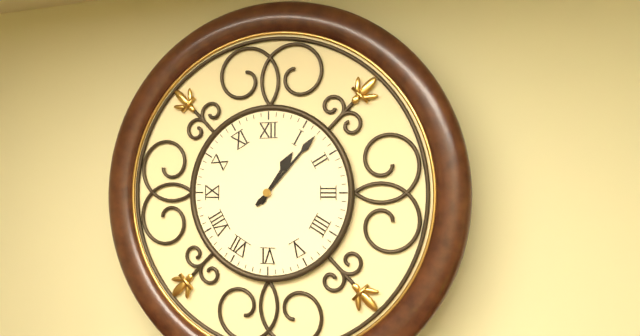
1:07
